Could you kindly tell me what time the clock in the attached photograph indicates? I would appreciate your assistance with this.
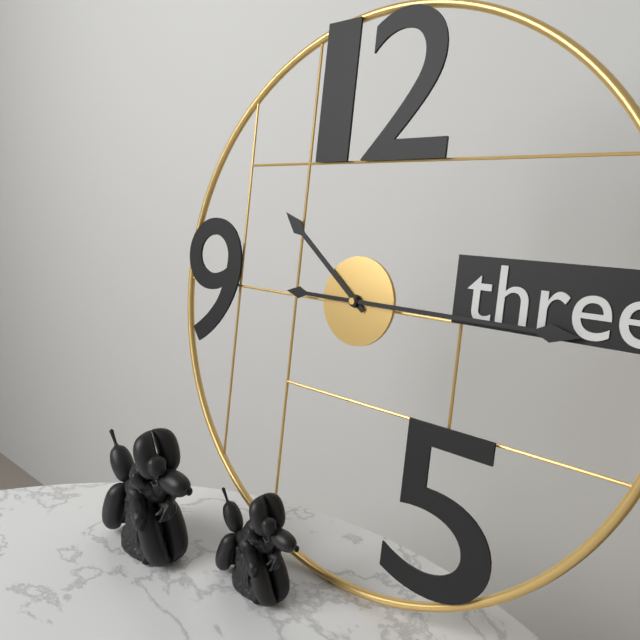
10:15
